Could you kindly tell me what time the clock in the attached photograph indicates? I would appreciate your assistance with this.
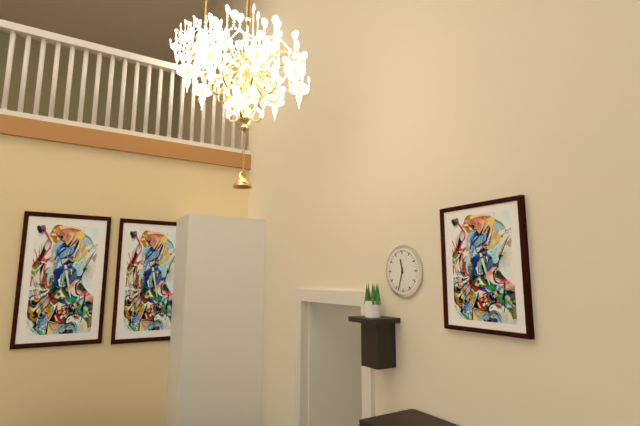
11:33
